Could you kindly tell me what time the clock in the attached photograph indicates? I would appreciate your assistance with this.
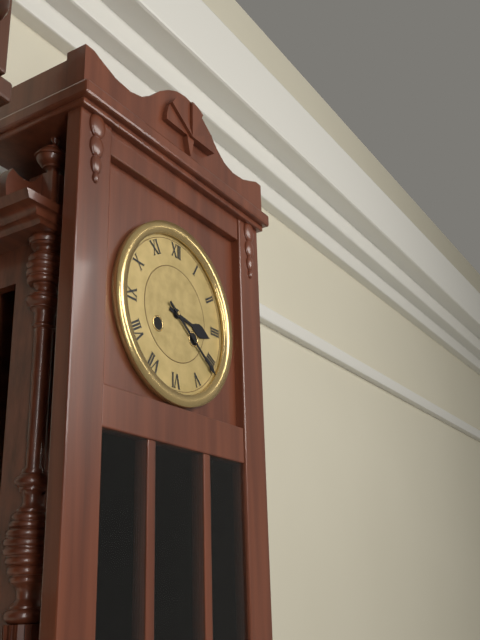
3:21
